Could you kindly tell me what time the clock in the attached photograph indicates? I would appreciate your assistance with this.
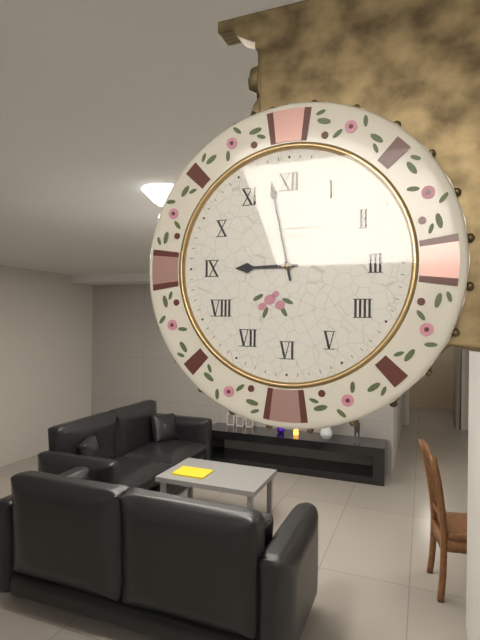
8:58
